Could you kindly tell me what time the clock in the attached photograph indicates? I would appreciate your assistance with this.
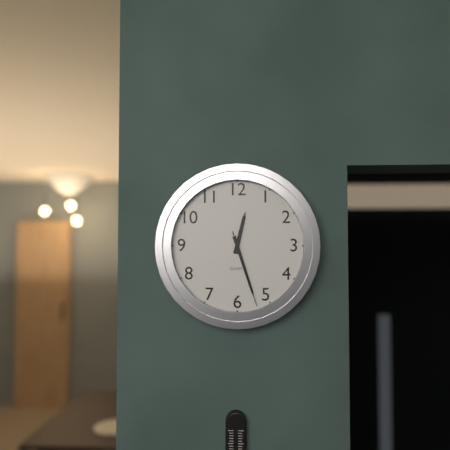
12:27:27
